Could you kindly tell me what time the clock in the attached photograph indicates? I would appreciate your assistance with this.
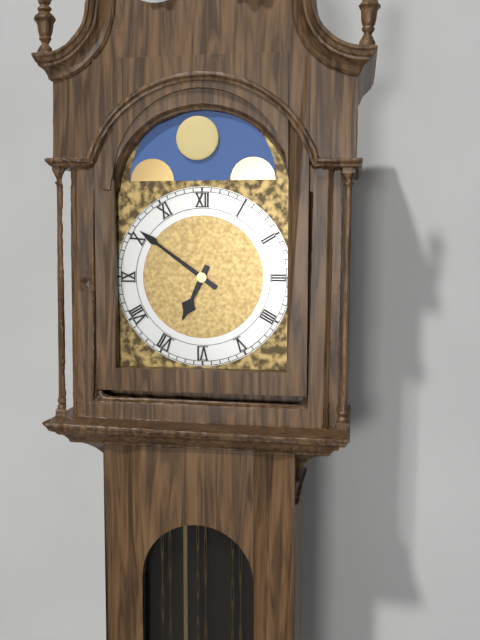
6:51
